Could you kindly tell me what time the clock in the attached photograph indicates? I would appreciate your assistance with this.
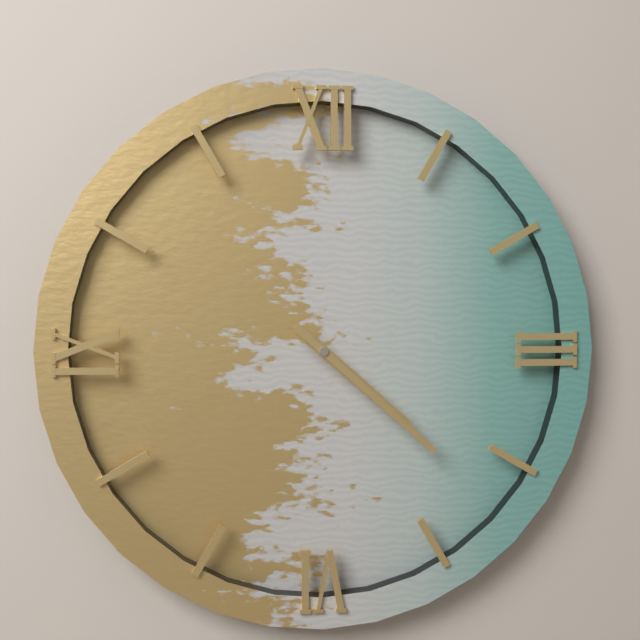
4:22
